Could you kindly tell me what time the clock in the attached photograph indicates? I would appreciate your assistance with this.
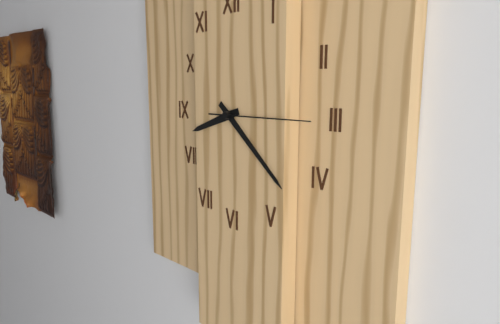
8:22:15
